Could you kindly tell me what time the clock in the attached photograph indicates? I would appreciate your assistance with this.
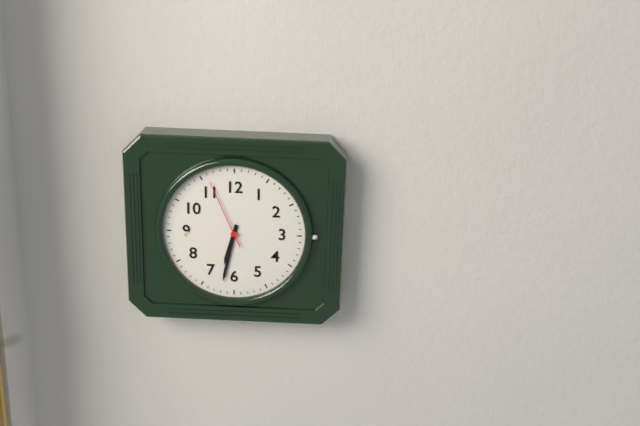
6:32:56
